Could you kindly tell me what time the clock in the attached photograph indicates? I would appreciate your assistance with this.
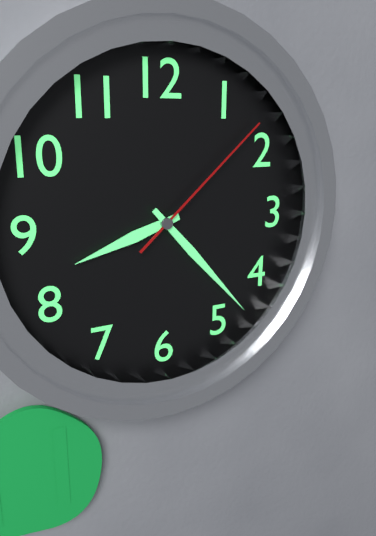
8:23:08
